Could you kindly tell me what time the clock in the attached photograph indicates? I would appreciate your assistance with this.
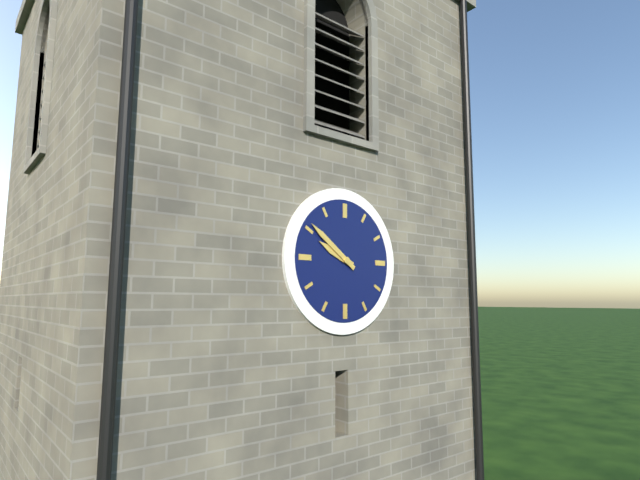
9:51
